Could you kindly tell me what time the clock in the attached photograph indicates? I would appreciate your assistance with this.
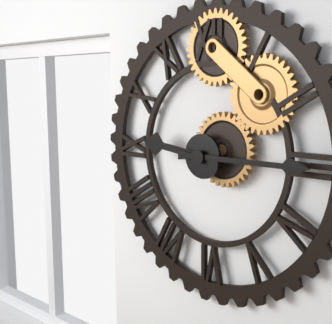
9:15
